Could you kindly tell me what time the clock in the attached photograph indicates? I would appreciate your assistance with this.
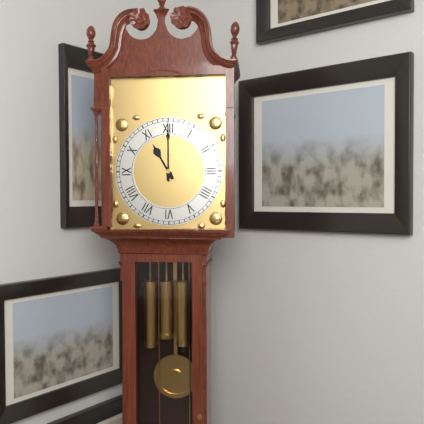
11:00
